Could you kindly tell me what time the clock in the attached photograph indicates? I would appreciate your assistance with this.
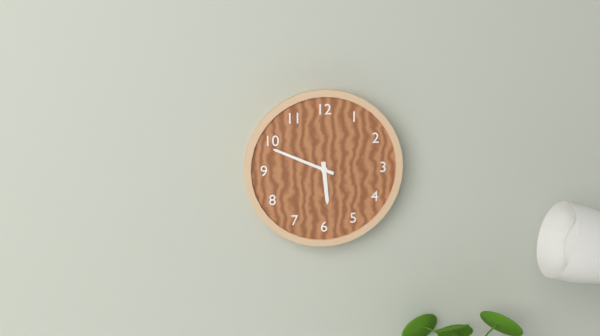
5:49
